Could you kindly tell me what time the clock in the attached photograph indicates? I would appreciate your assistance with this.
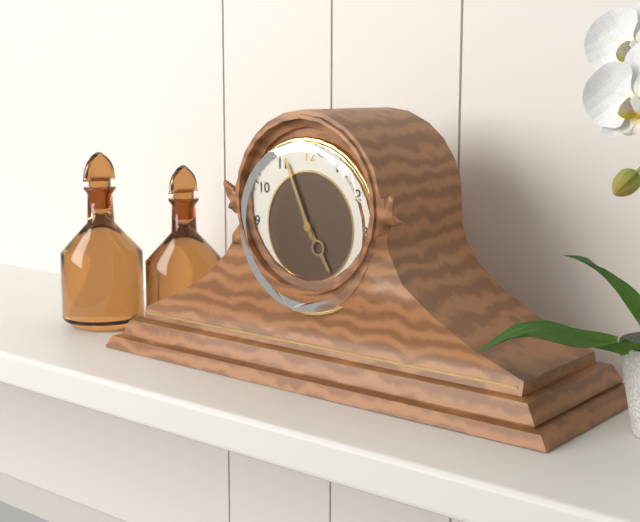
4:56
